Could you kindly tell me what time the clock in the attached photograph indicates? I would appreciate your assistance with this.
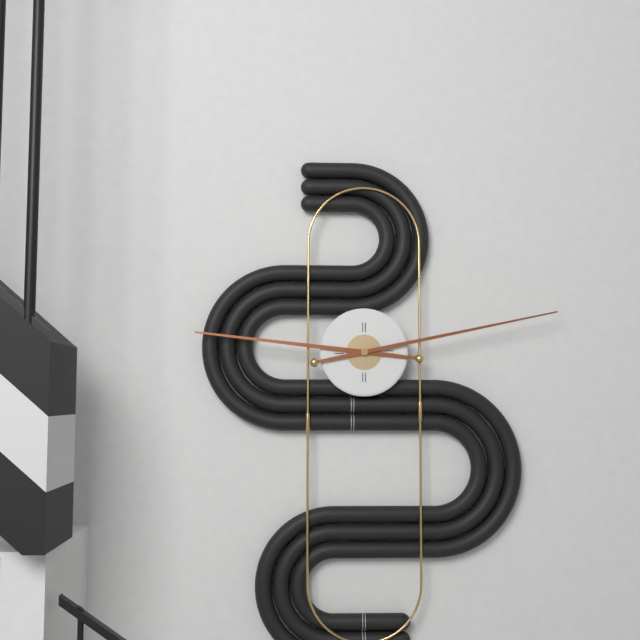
9:13
